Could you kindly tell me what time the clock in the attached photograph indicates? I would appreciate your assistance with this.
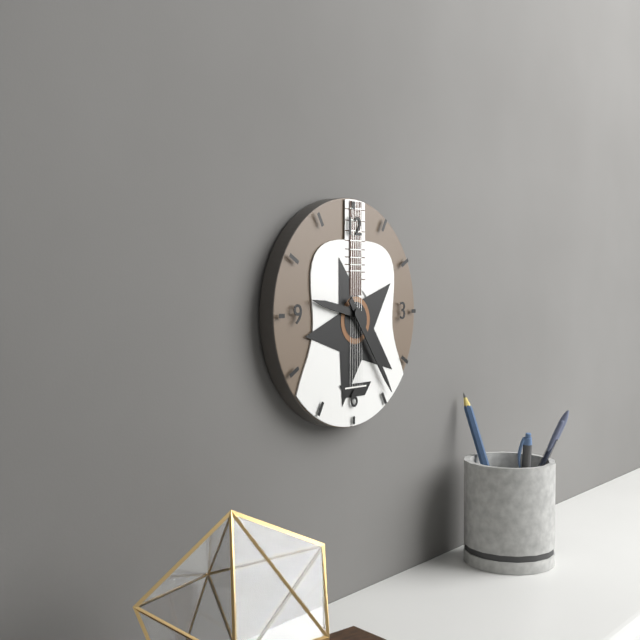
9:24
